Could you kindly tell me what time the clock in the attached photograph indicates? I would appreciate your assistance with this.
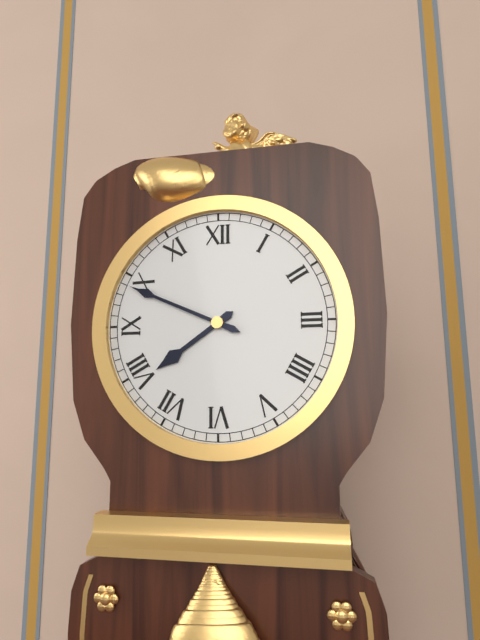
7:49
